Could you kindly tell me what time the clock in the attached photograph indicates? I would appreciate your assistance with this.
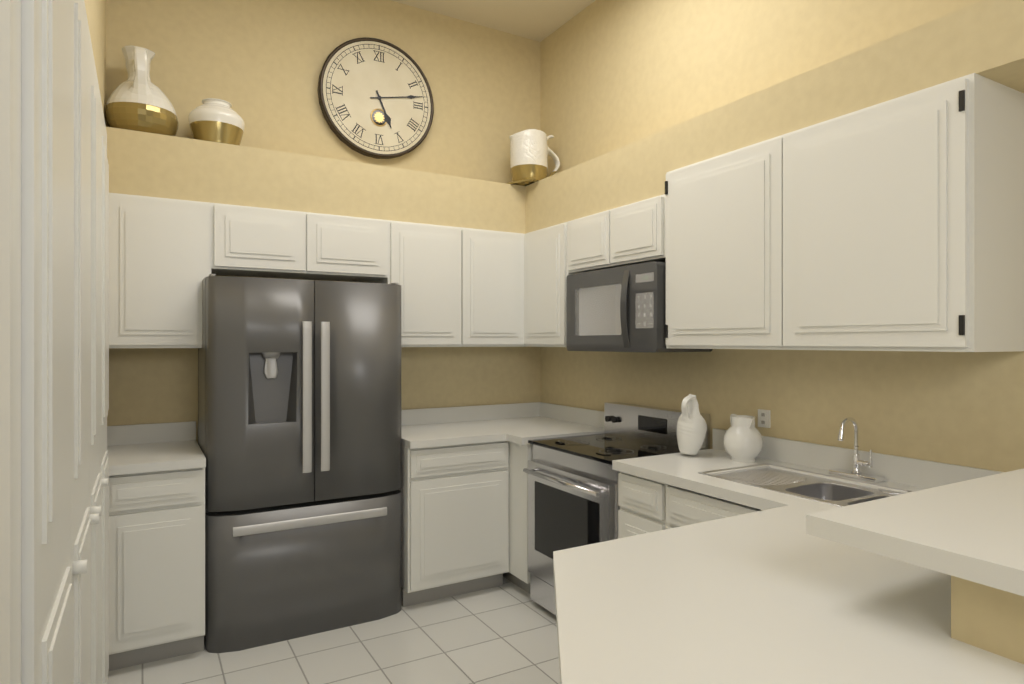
5:13
